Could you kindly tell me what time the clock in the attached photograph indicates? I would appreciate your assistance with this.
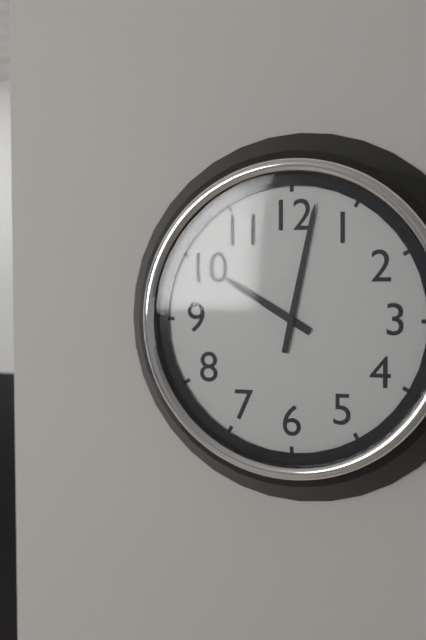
10:02
